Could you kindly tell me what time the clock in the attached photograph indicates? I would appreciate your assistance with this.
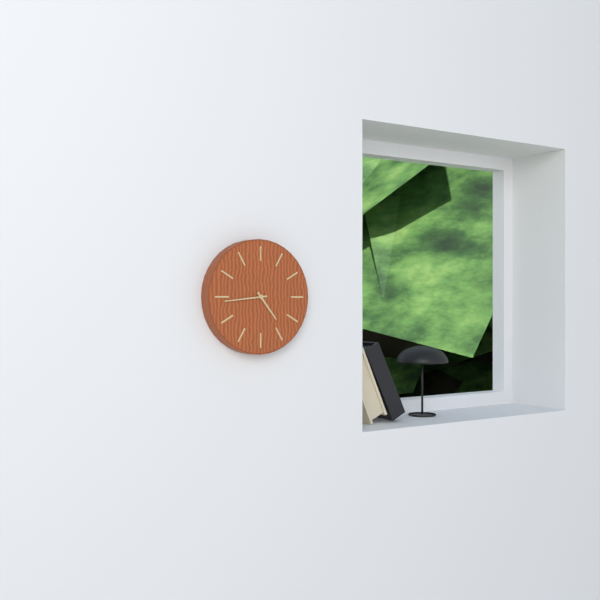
4:44
